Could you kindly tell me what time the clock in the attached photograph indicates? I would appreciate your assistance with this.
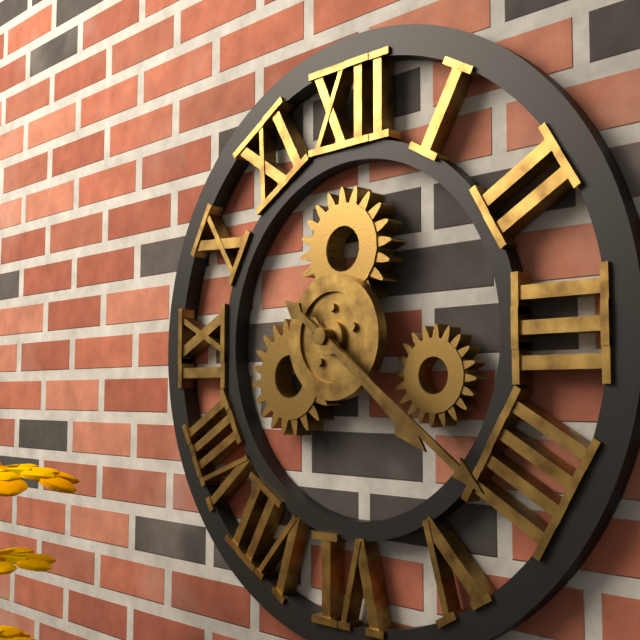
4:21
